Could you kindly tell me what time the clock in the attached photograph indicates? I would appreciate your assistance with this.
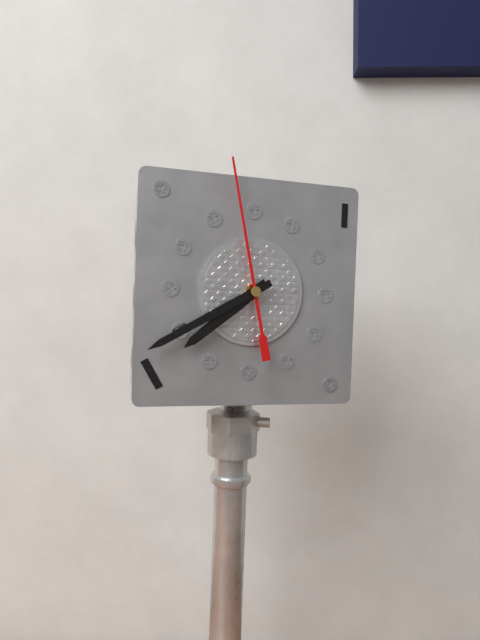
7:40:58
